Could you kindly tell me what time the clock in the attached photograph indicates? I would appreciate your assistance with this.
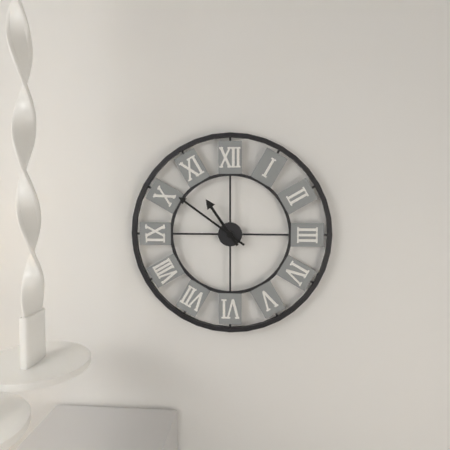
10:51
